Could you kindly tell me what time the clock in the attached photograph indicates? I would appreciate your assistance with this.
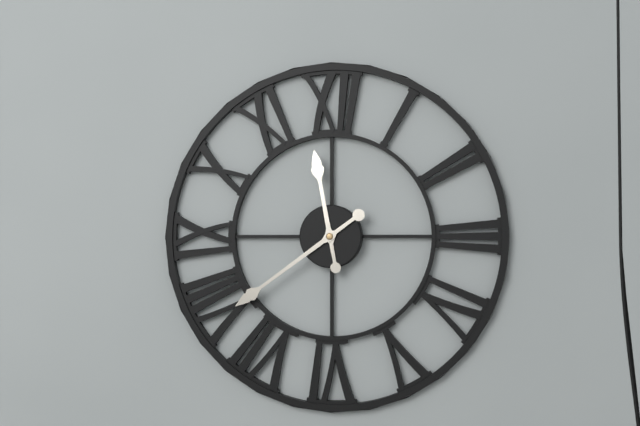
11:39
